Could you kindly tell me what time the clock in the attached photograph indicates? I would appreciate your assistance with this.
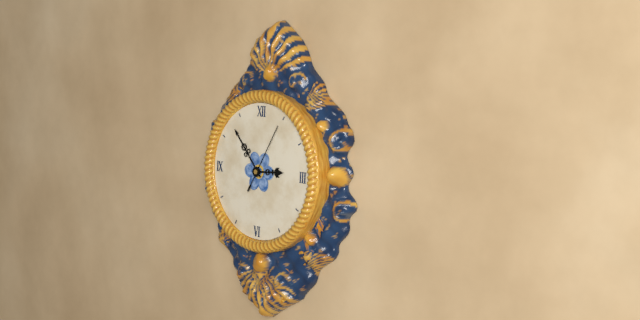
2:53:05
